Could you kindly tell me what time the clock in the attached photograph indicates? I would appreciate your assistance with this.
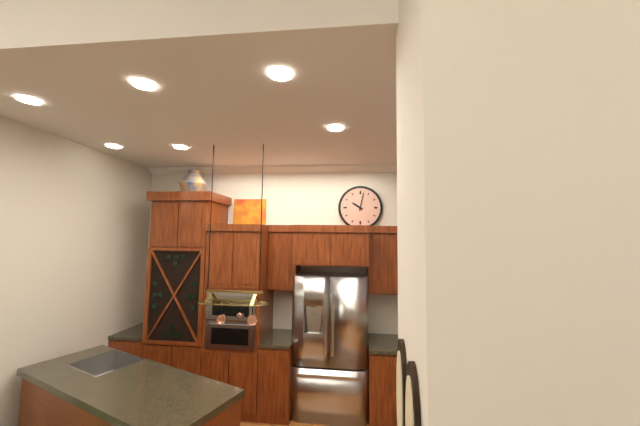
10:02
